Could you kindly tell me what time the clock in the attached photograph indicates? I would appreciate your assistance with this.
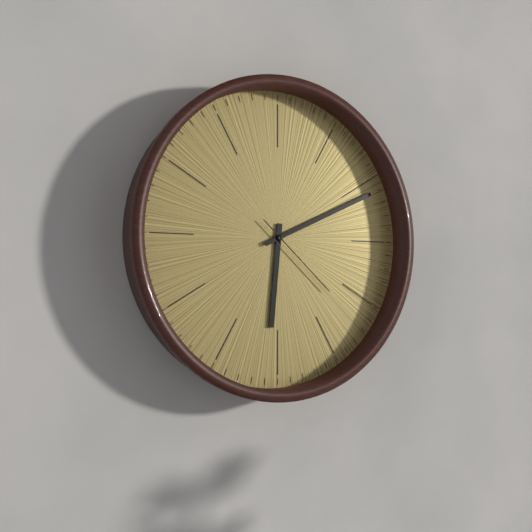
6:11:22
